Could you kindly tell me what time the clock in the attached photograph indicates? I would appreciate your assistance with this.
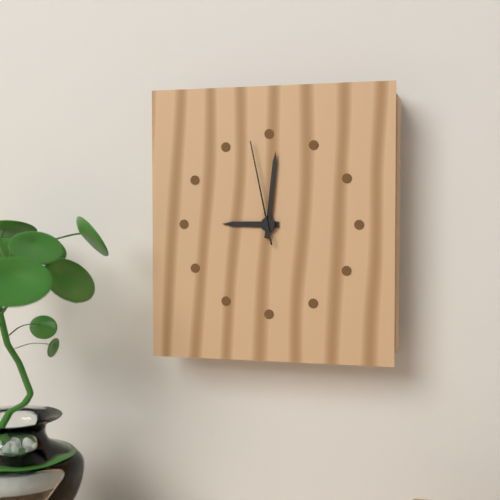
9:01:58
